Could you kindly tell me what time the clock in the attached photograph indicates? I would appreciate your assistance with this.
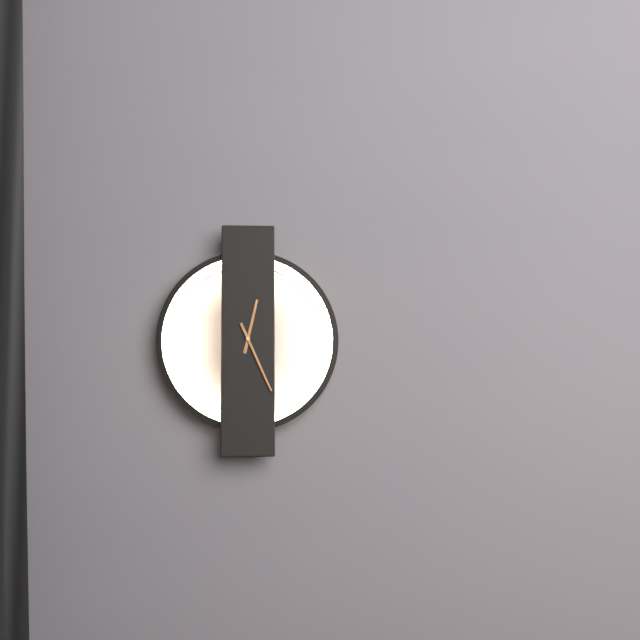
12:26
